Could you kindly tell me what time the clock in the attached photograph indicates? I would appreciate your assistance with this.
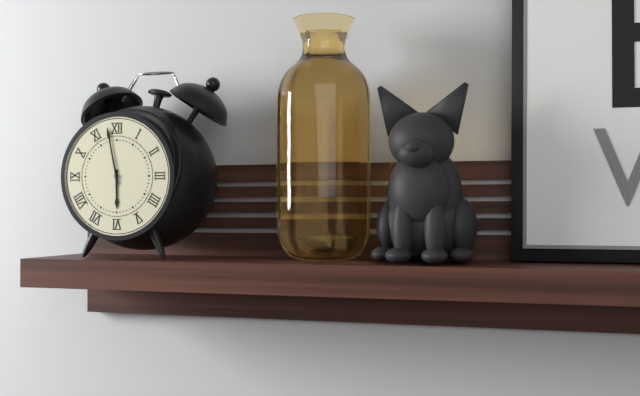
5:58
